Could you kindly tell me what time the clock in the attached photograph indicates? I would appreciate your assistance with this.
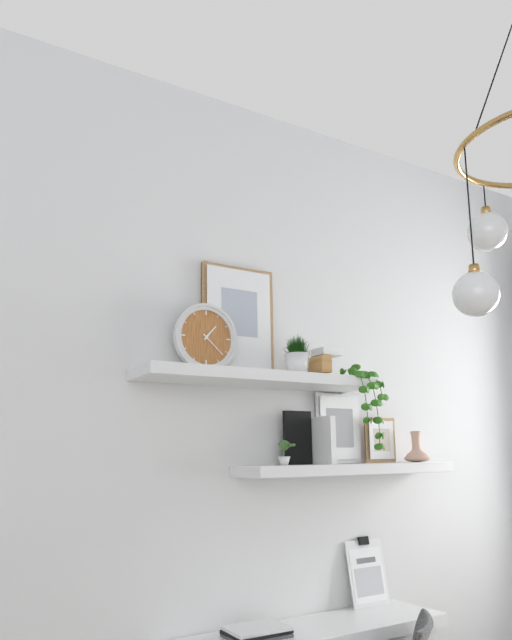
1:22
